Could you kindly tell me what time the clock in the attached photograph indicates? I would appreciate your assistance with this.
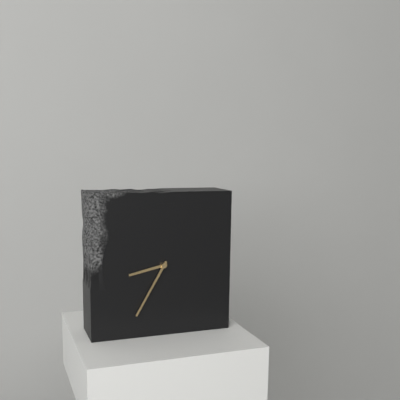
8:35
